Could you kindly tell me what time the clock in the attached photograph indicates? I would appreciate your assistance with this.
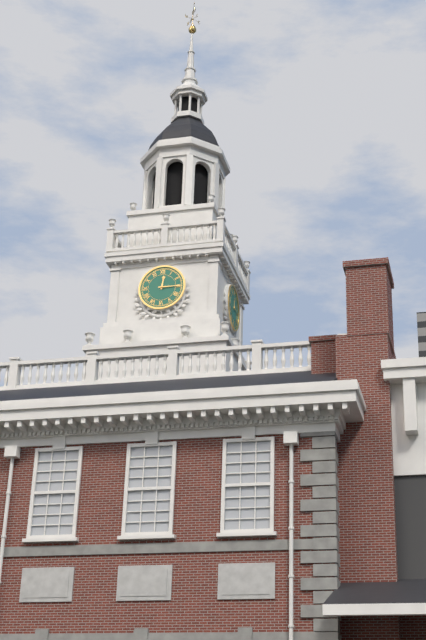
12:15
